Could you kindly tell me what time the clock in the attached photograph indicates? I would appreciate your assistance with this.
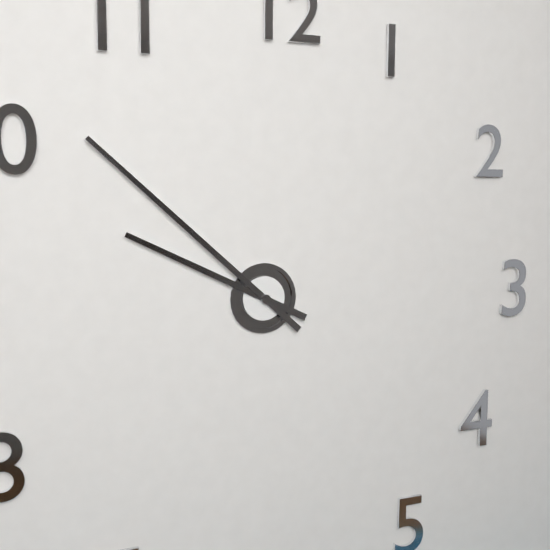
9:52
